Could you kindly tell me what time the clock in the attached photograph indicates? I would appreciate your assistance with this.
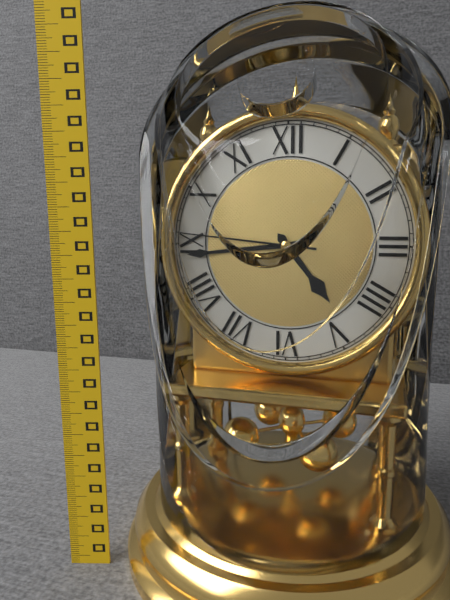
4:44:46
